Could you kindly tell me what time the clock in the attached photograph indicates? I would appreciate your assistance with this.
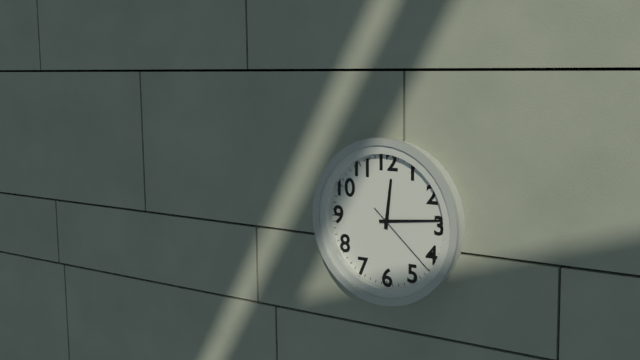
12:14:22
